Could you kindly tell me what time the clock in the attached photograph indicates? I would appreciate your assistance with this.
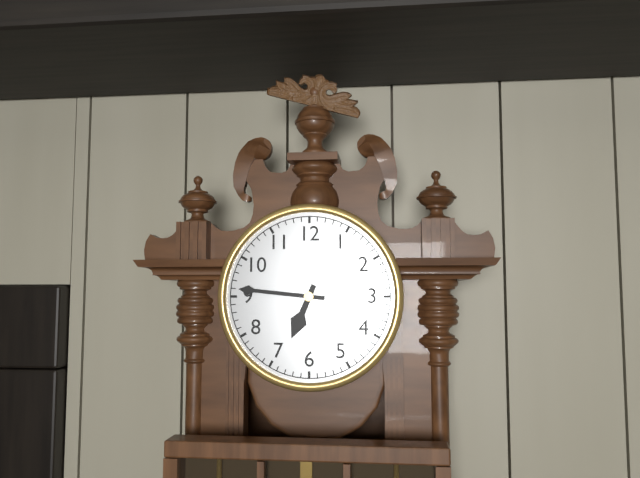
6:46
